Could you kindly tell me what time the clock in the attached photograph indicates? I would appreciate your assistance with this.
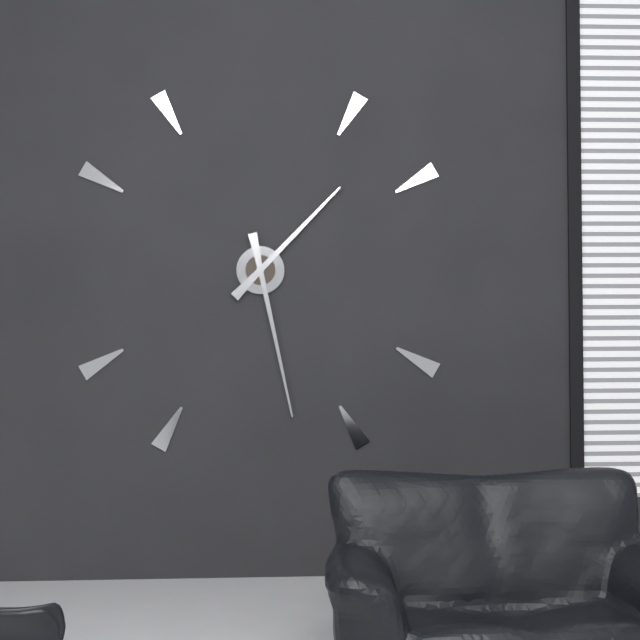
1:28
